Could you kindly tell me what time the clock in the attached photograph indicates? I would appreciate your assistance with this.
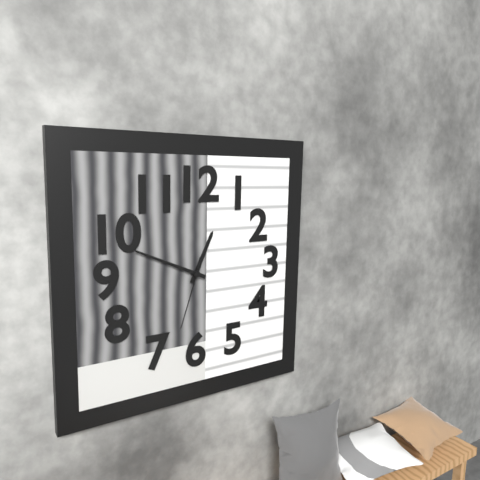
12:49:33
